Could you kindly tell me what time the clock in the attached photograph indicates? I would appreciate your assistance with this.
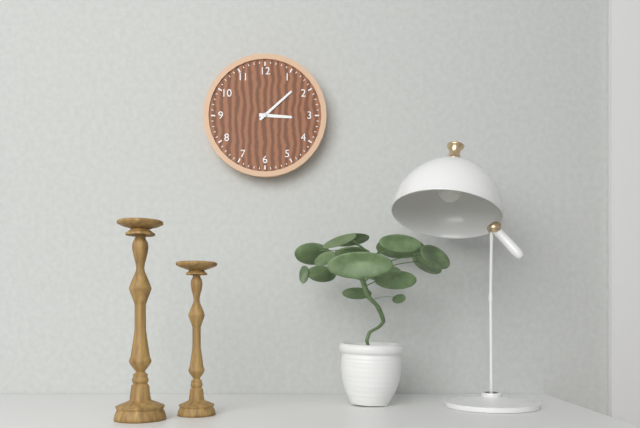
3:08
